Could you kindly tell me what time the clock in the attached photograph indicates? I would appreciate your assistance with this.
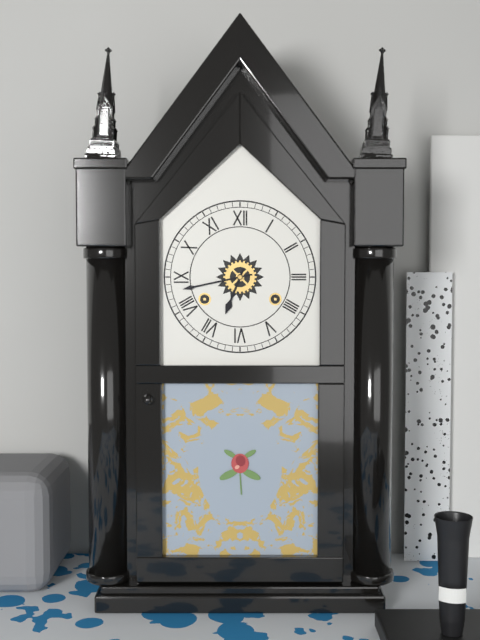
6:43
